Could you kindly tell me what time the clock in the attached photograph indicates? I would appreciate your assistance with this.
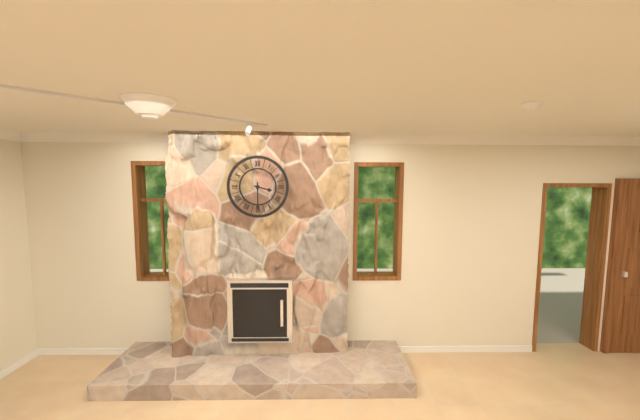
3:30
